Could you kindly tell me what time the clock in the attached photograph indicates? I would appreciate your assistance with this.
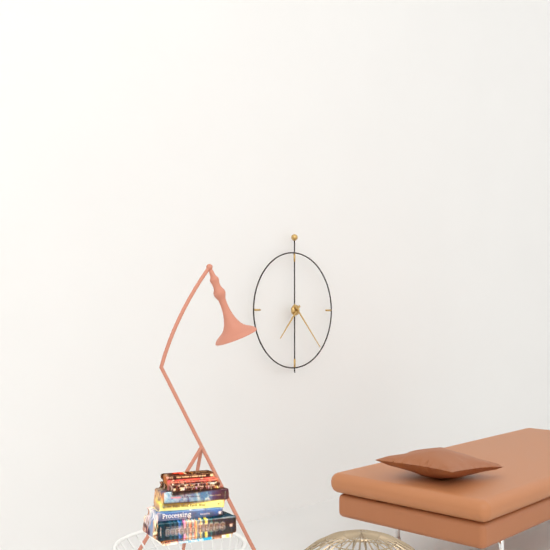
7:23
